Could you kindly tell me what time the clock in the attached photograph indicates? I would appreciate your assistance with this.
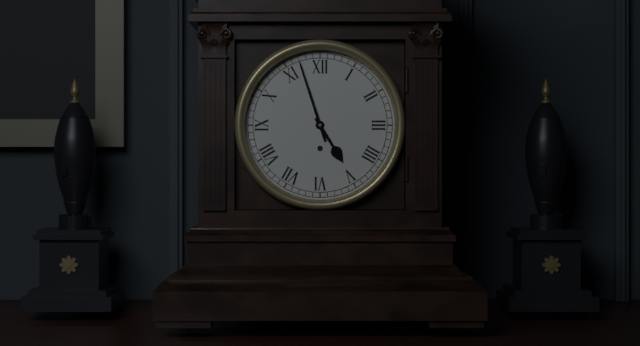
4:57
